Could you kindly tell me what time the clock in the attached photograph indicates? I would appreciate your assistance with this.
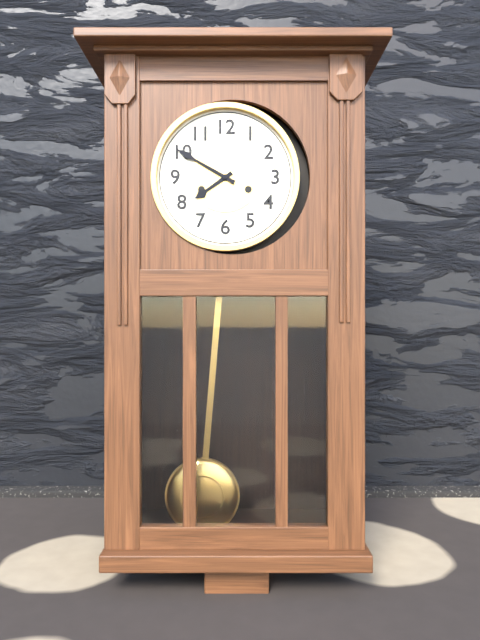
7:50
